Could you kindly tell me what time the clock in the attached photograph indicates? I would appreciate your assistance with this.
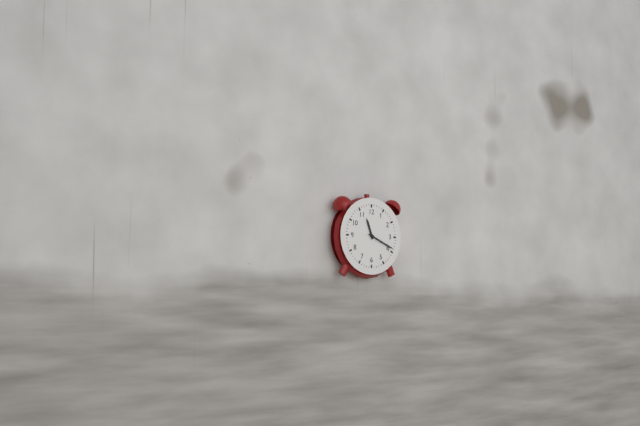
11:19
